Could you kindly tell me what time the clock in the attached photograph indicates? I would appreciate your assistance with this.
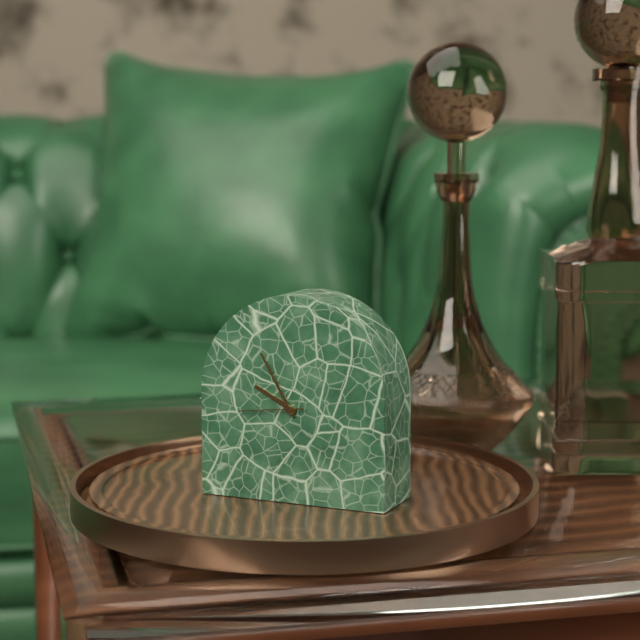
9:55:44
